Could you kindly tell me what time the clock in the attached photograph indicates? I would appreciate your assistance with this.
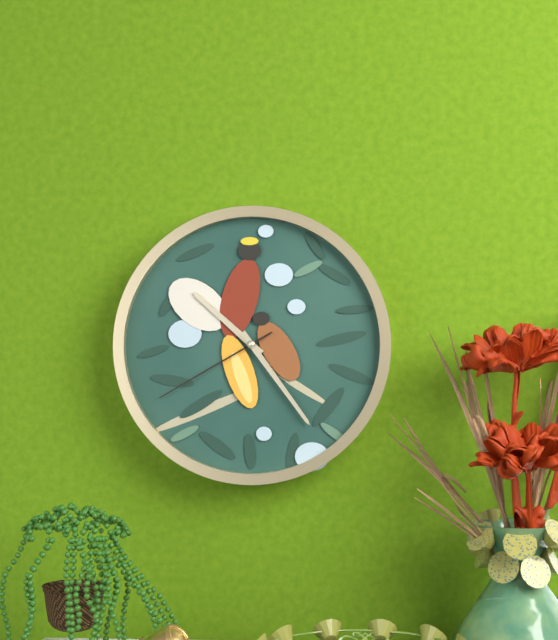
10:24:40
